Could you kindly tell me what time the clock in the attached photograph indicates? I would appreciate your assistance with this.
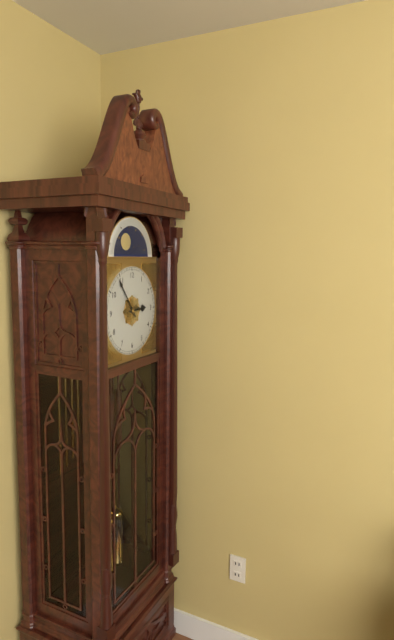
2:54
